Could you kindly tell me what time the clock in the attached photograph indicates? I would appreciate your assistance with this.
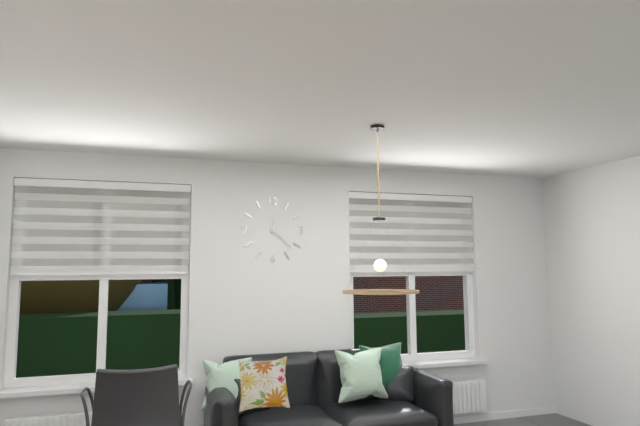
12:22
